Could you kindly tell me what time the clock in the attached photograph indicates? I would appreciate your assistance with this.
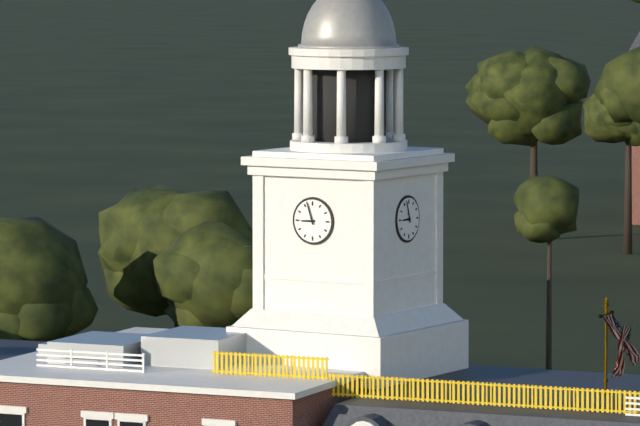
8:57
